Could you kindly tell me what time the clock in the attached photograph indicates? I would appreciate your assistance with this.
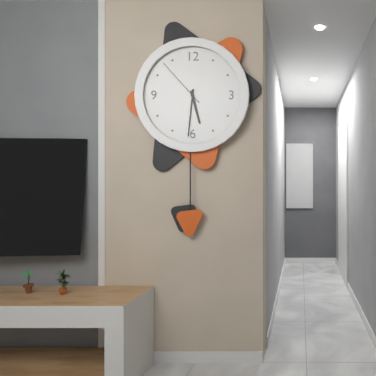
5:31:53
